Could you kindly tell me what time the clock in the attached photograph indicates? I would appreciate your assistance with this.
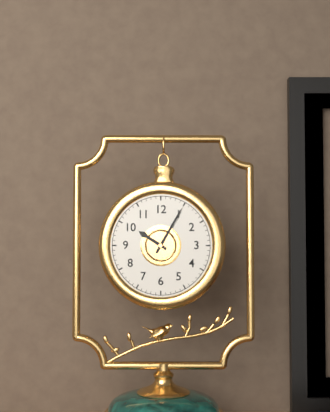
10:05
